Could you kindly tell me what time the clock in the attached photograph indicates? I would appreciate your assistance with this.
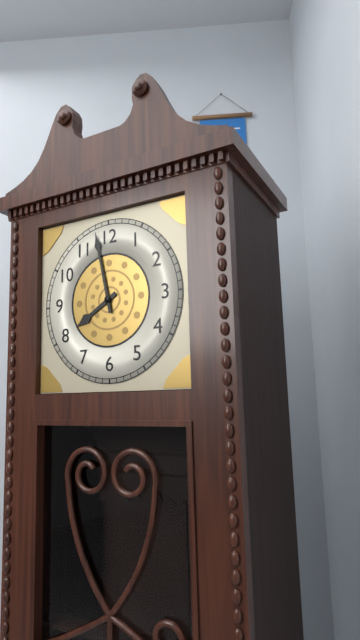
7:58
